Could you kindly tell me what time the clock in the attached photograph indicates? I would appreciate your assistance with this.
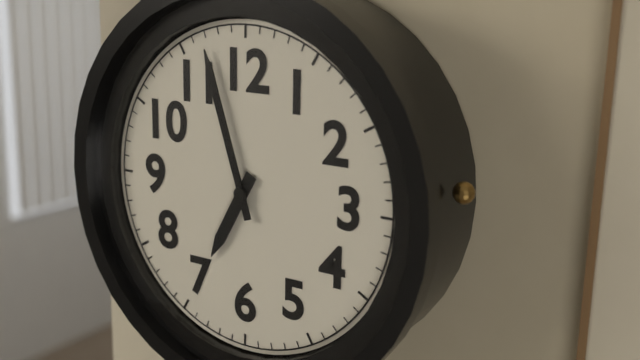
6:57
